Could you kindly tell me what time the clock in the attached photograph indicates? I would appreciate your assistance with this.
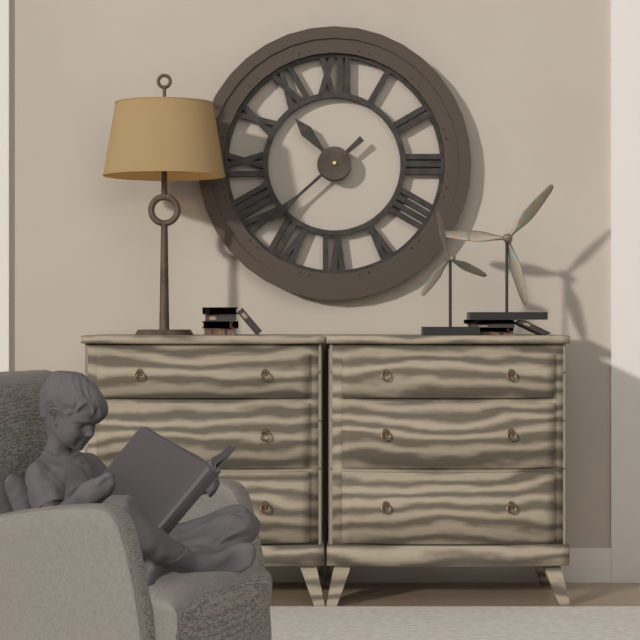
10:38
